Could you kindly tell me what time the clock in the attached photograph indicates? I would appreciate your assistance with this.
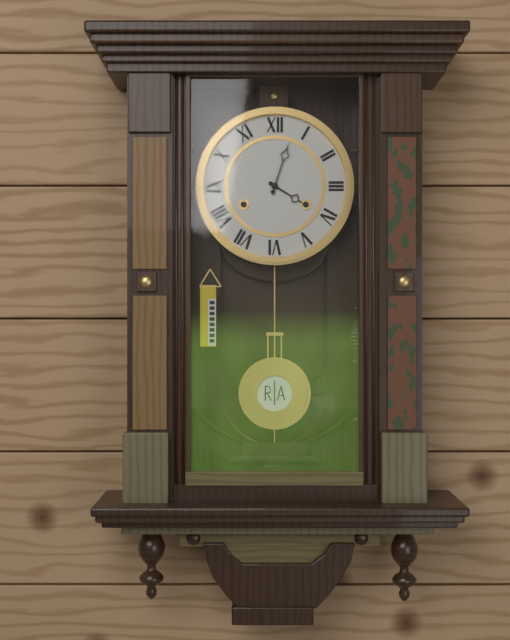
4:03
